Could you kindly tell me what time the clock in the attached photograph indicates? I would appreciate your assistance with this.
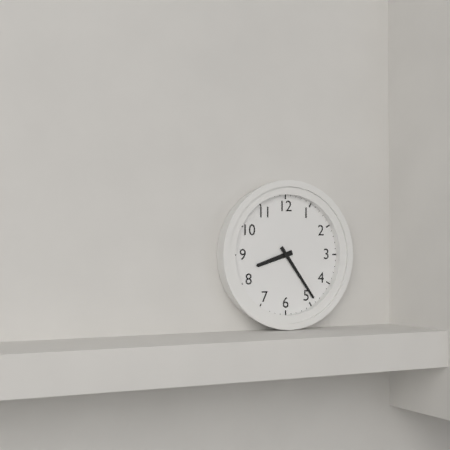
8:24
